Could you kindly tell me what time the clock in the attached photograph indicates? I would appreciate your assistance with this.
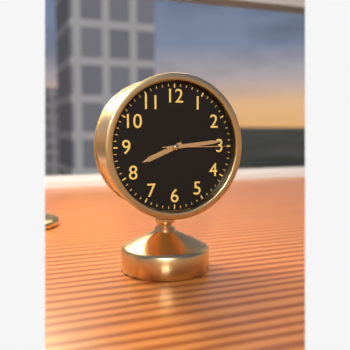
8:14:15
